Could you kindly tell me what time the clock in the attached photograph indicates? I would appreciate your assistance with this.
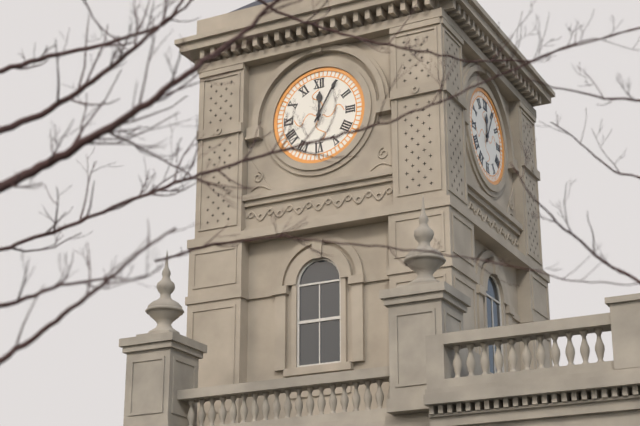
12:05
